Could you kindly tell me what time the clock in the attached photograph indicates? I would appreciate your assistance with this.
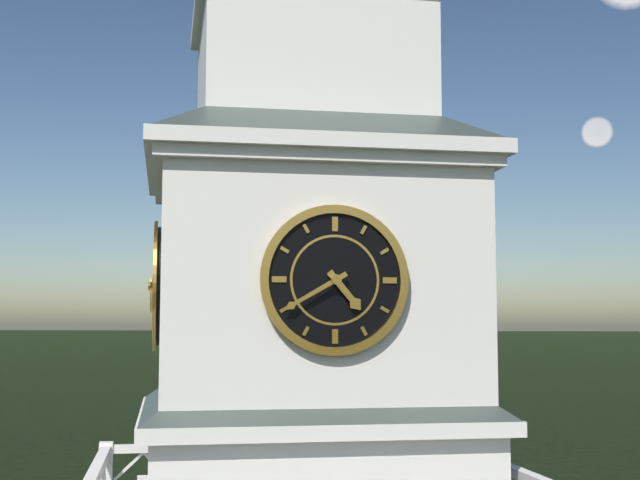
4:40
